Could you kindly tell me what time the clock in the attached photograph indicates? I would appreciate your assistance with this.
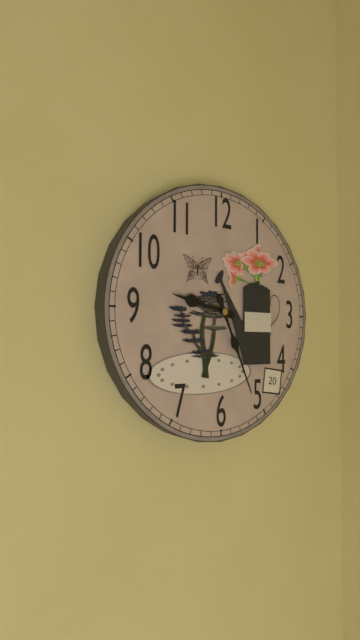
9:26
